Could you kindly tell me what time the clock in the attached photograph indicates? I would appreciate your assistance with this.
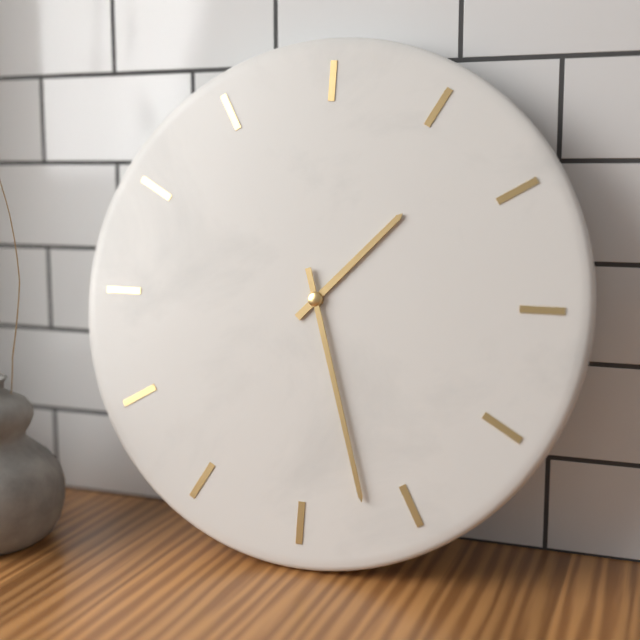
1:27
